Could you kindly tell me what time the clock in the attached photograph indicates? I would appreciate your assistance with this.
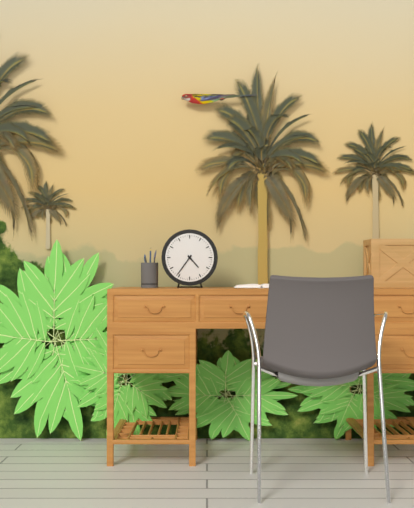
4:36
